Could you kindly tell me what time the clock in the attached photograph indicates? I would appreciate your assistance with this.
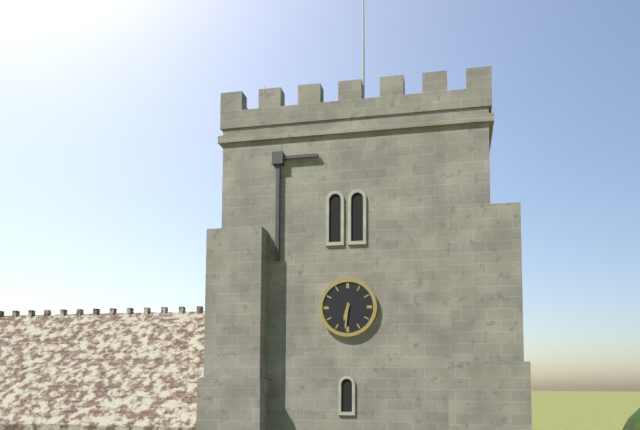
6:31
